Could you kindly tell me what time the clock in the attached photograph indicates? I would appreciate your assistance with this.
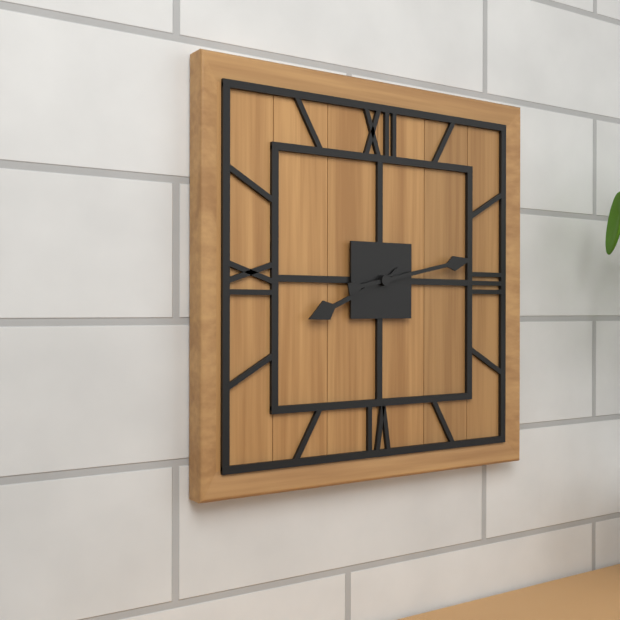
8:13
